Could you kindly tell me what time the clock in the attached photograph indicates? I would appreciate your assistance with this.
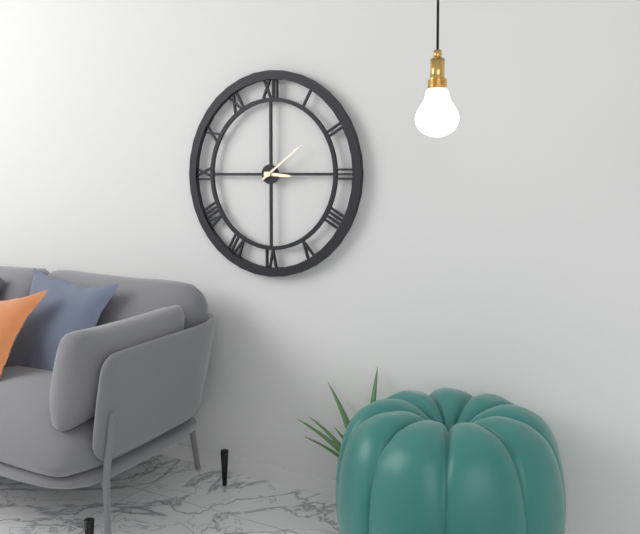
3:09
